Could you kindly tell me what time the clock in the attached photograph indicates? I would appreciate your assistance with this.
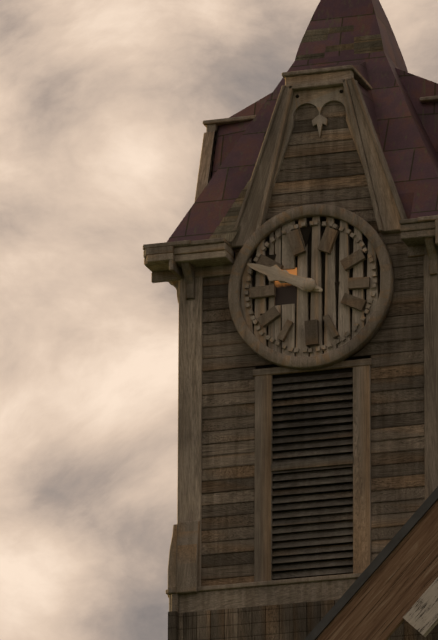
9:49
